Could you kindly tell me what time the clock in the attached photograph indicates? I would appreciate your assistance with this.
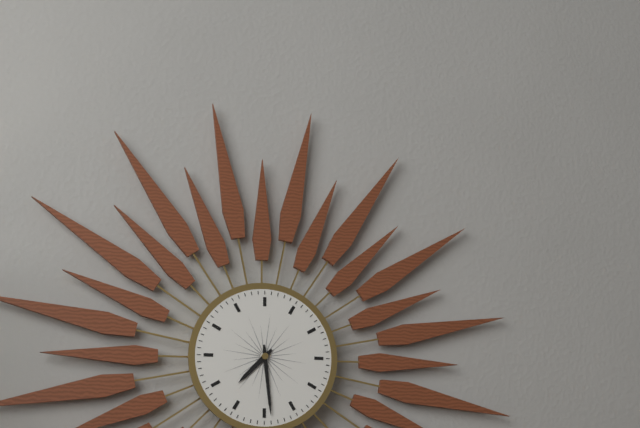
7:29
